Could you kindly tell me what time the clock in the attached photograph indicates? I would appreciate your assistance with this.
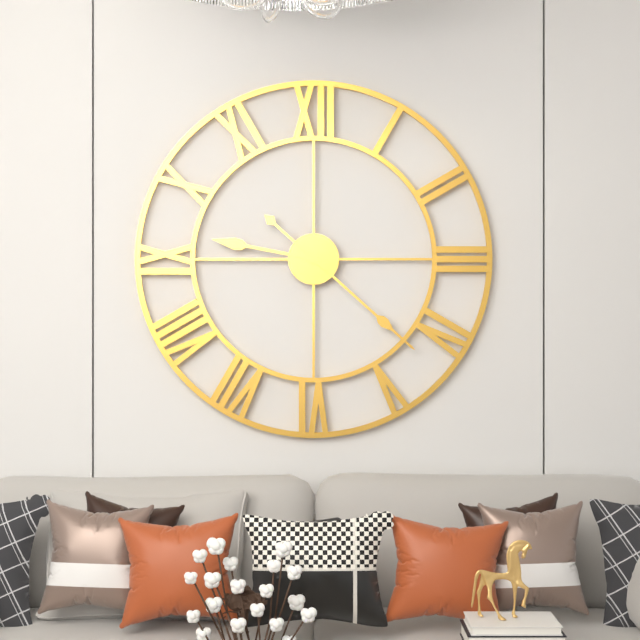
9:22
